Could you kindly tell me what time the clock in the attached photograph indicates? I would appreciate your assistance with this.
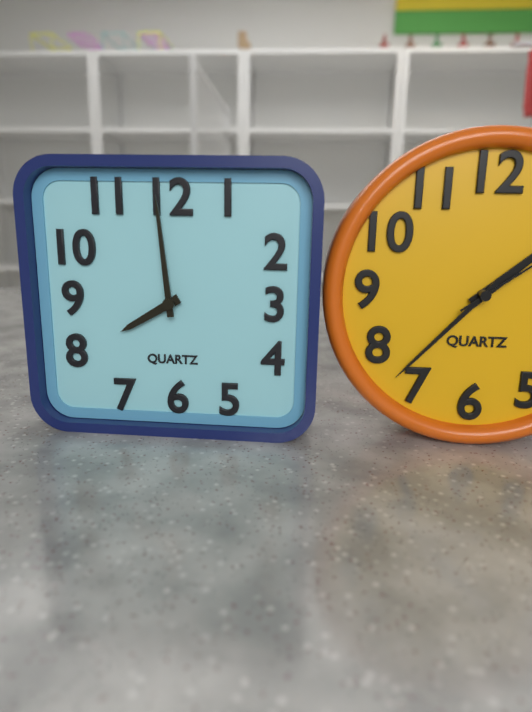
7:59
